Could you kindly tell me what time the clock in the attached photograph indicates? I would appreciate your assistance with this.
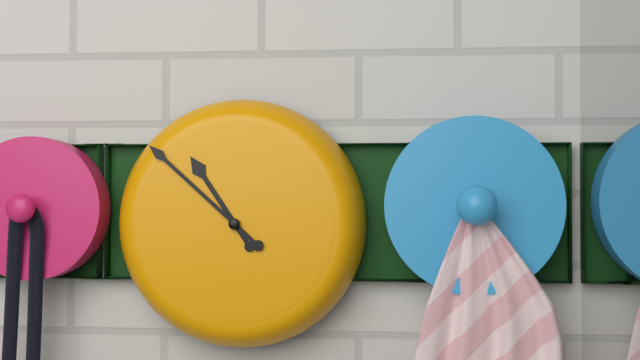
10:52
